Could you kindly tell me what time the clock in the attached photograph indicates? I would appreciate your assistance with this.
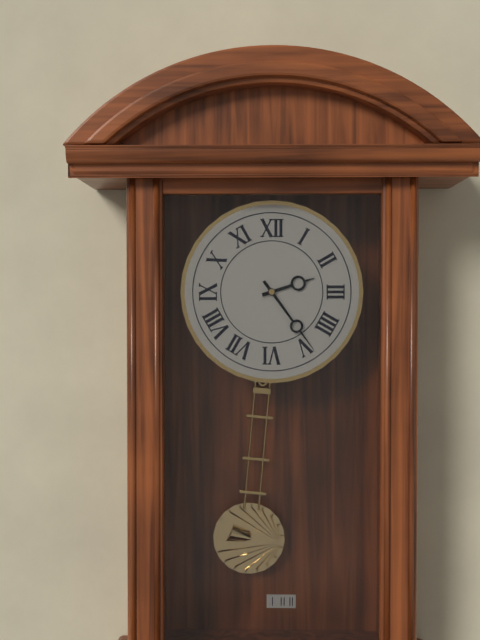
2:24
